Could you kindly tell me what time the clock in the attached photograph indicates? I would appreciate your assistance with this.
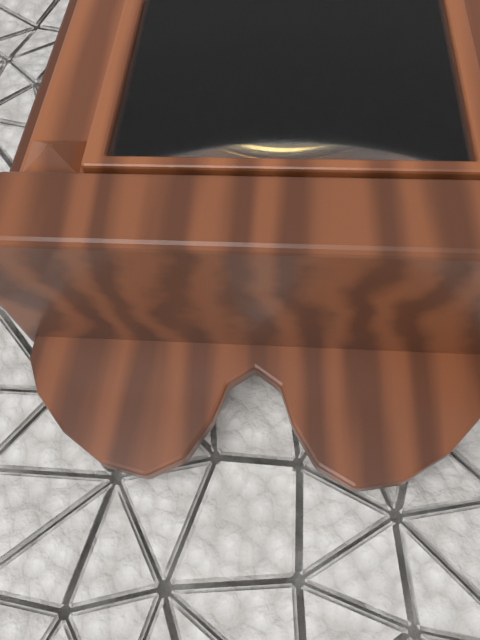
12:14
